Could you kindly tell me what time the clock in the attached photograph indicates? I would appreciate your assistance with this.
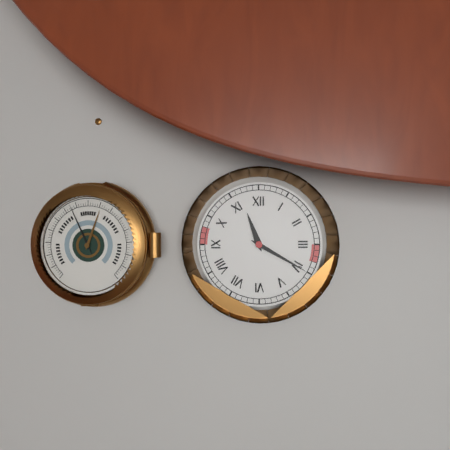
11:20
